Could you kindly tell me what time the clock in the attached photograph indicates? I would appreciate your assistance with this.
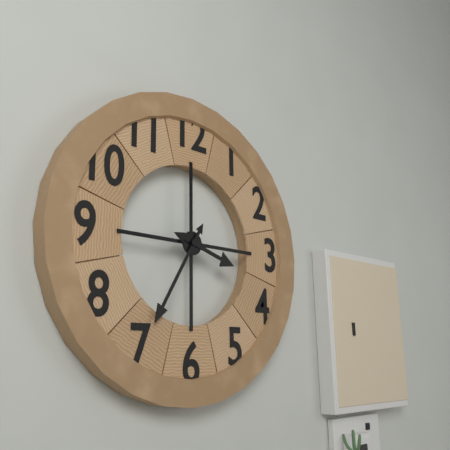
3:35
